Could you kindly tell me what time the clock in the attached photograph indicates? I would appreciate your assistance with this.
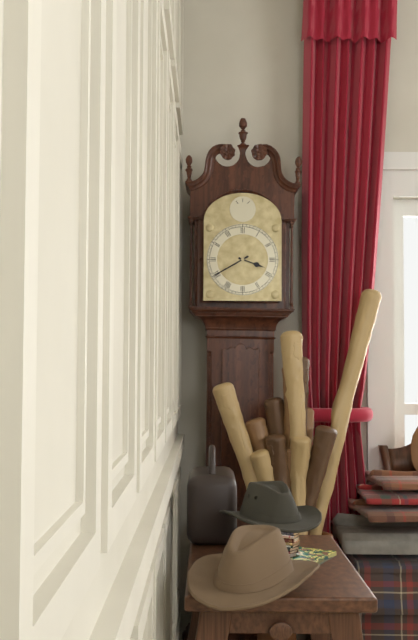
3:40
